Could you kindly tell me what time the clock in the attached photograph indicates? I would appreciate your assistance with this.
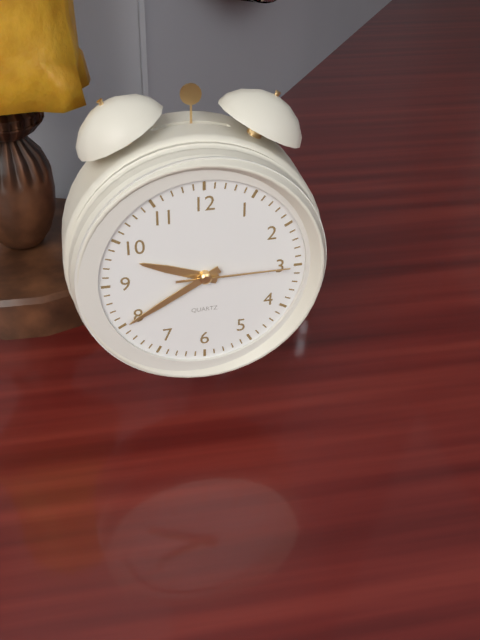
9:40:15
